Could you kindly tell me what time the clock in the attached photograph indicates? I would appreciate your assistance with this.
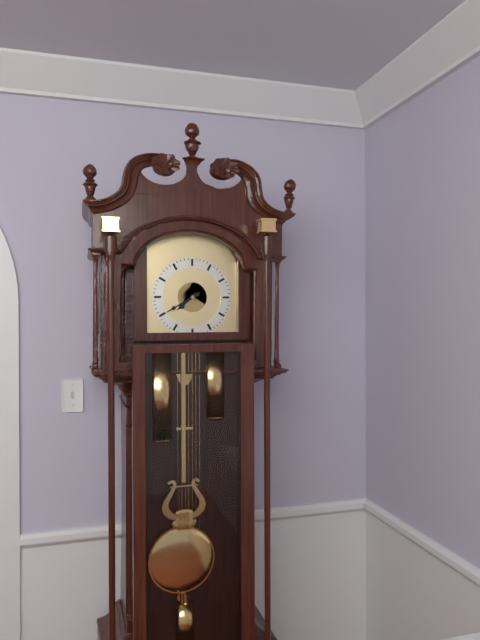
7:40
